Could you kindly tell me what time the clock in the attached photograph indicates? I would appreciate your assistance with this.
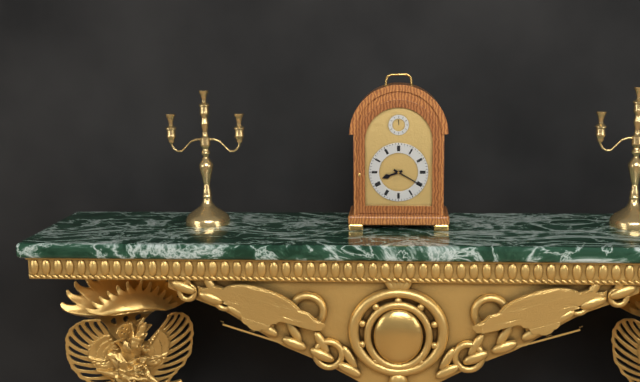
8:20
